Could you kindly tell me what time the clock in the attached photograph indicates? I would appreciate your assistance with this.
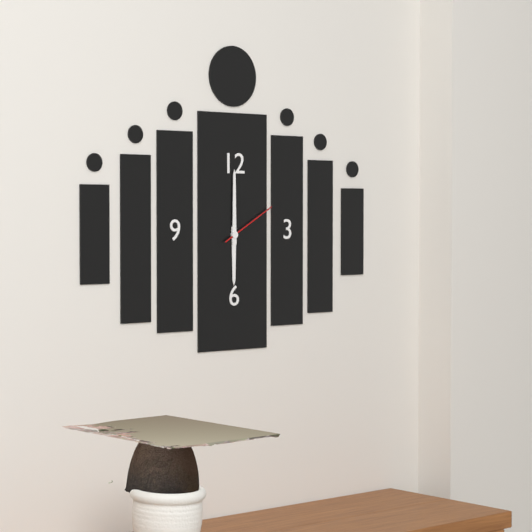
6:00:10
